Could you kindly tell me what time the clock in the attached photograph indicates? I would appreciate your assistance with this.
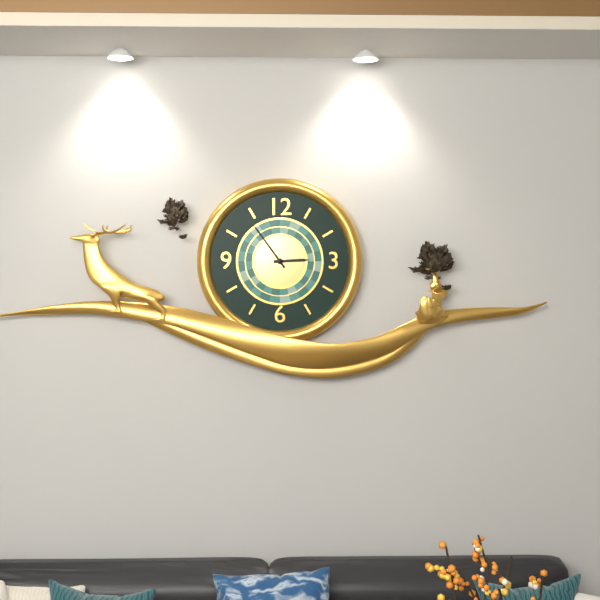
2:54
